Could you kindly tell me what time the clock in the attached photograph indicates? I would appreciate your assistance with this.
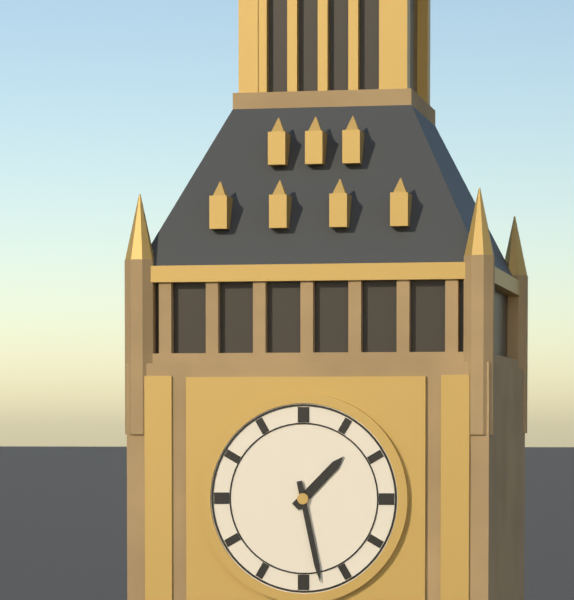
1:28
